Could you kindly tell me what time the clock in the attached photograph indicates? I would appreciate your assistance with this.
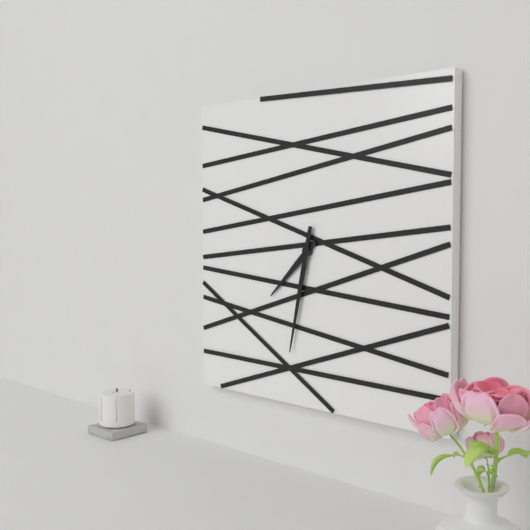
7:32
